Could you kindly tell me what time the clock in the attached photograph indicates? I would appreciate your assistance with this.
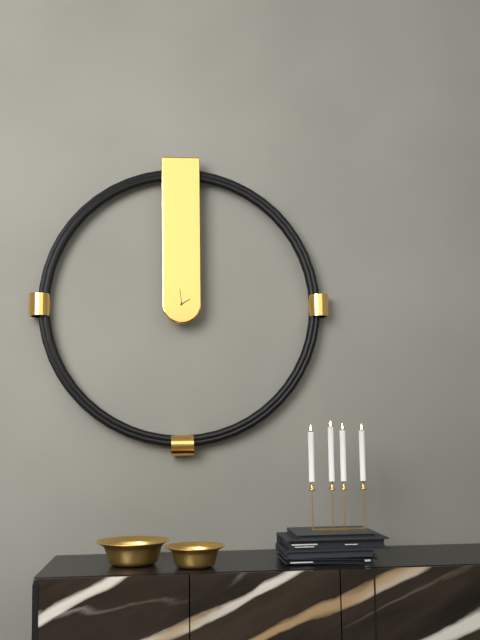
1:59
